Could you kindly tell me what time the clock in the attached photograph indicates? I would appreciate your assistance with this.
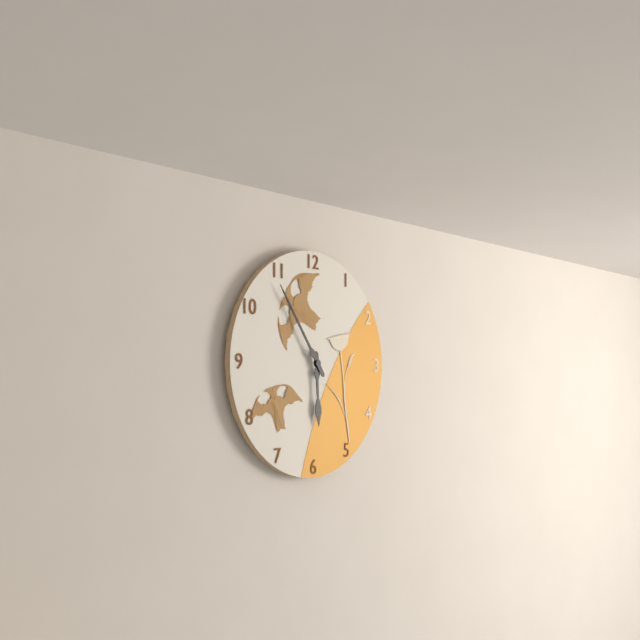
5:54
